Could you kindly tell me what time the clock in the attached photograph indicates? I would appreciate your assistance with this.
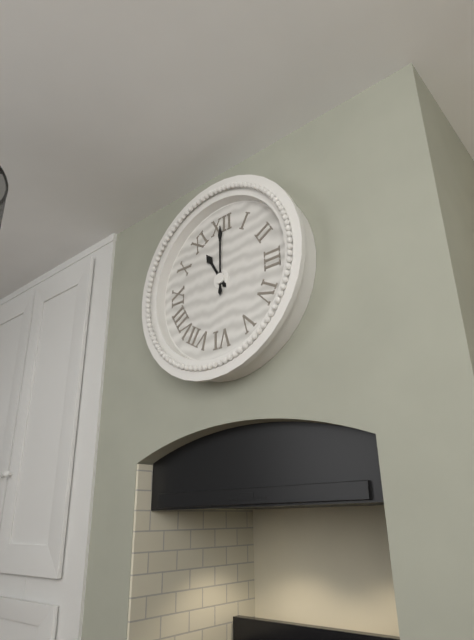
11:00
